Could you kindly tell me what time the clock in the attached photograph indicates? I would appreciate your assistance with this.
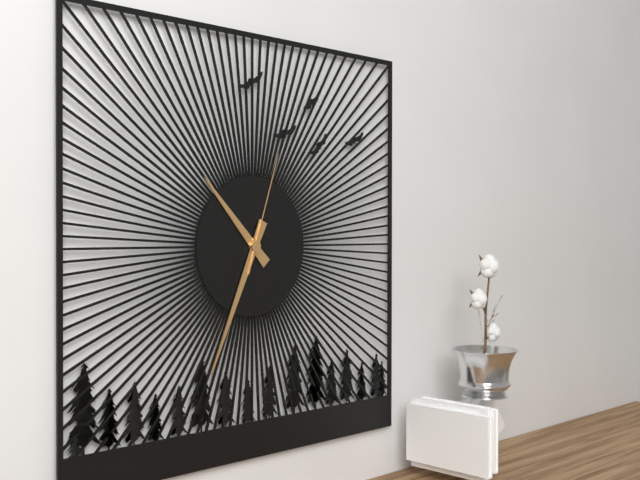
10:34:03
